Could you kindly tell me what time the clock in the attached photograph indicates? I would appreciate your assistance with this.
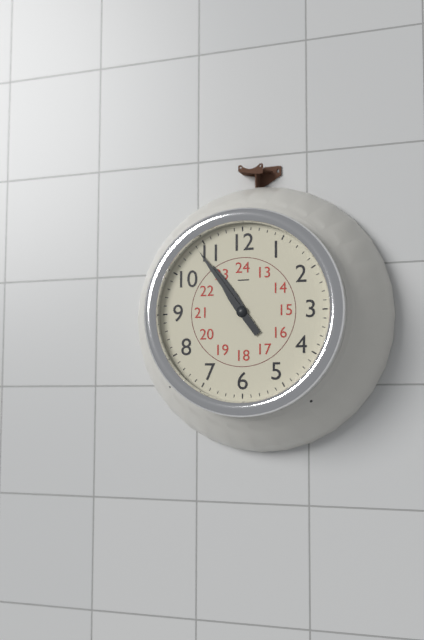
10:54
